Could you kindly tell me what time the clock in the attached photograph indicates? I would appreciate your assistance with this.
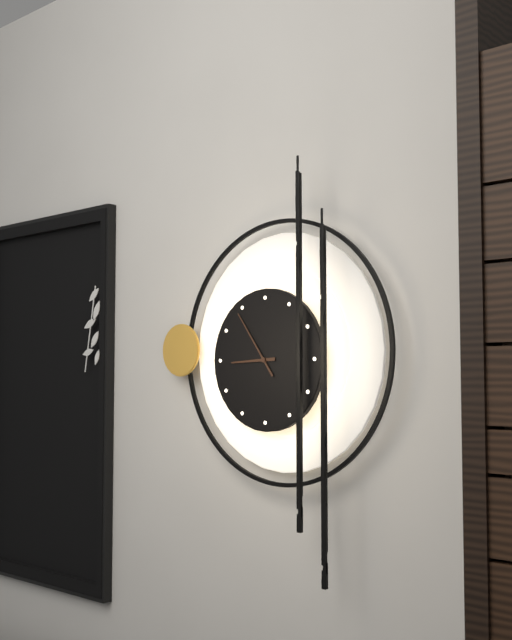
8:54
